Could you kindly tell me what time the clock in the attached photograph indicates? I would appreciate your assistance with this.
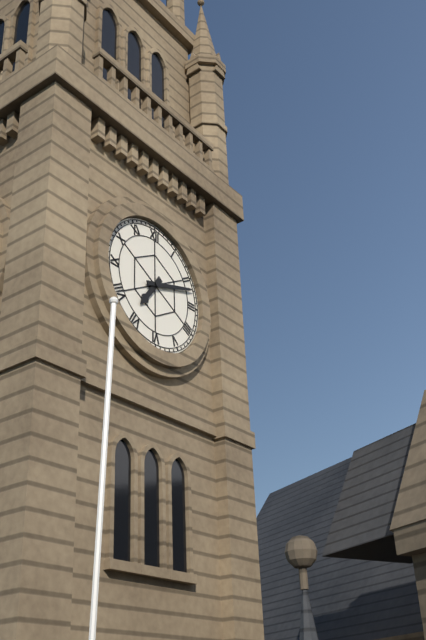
7:12
